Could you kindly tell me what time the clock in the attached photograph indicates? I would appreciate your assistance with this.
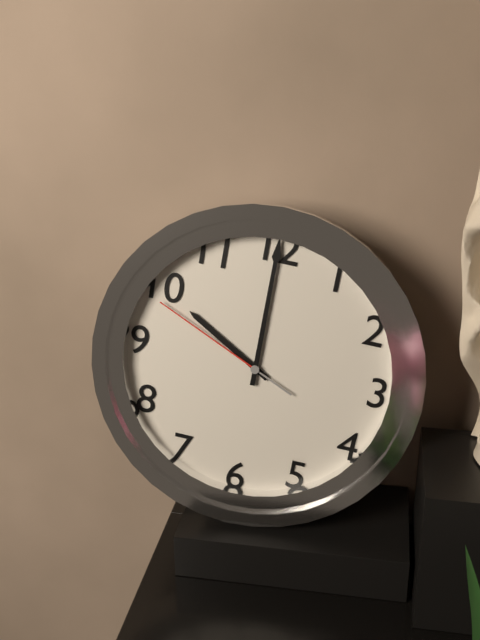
10:00:49
